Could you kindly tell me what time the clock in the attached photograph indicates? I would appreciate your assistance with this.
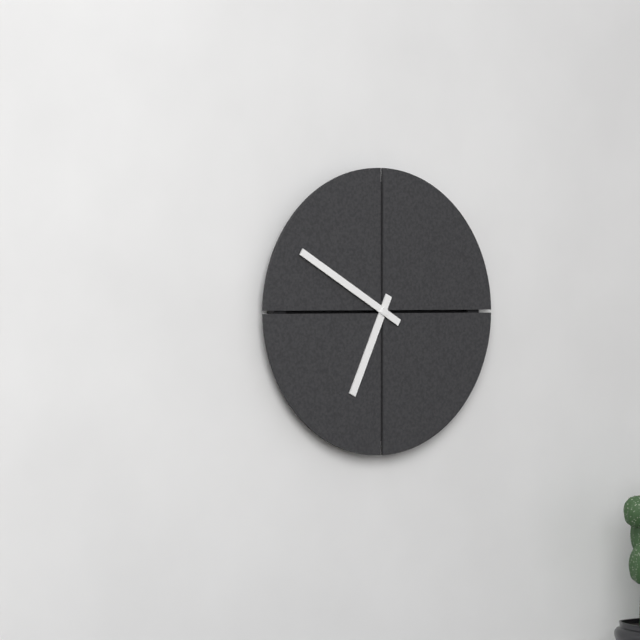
6:50
